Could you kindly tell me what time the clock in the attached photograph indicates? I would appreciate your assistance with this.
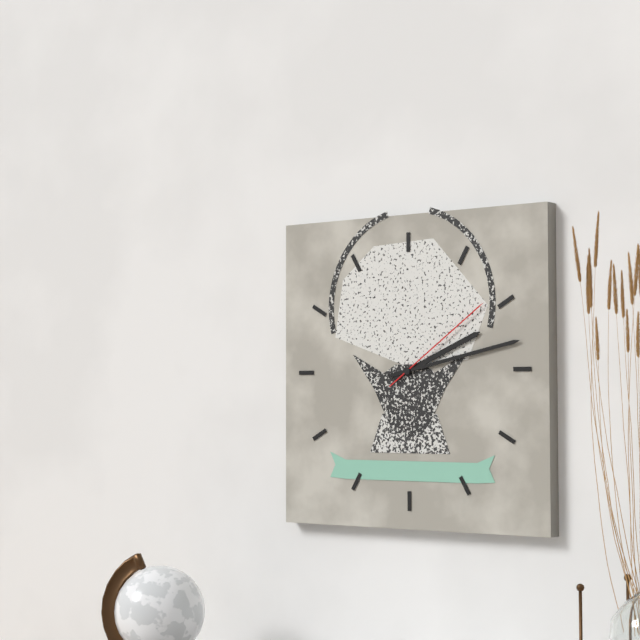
2:13:09
